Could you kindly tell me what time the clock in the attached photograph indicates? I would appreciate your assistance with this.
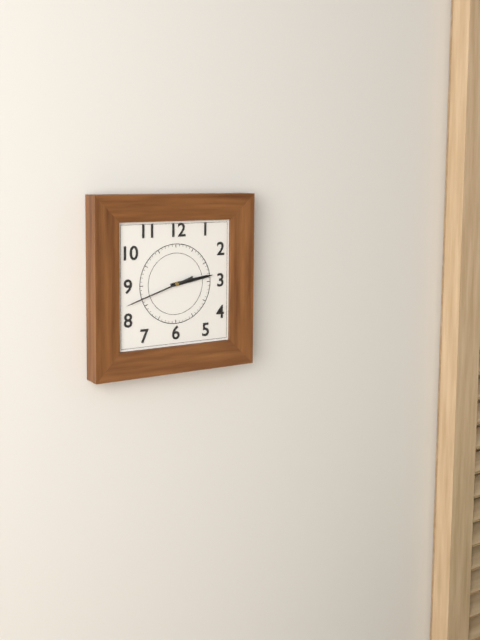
2:42
